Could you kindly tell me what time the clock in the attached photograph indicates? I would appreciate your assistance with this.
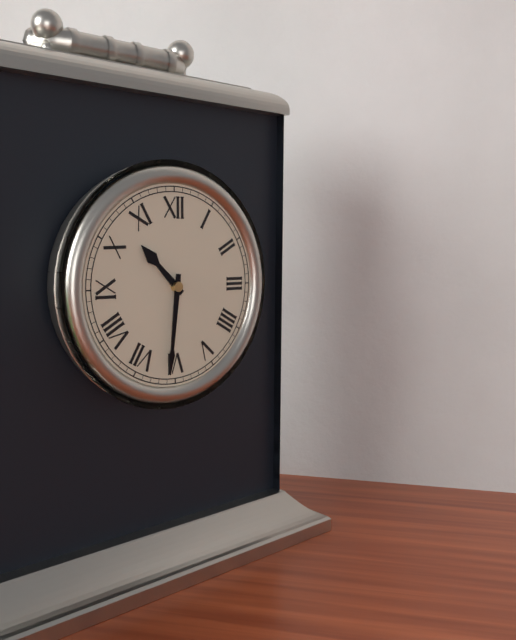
10:31
